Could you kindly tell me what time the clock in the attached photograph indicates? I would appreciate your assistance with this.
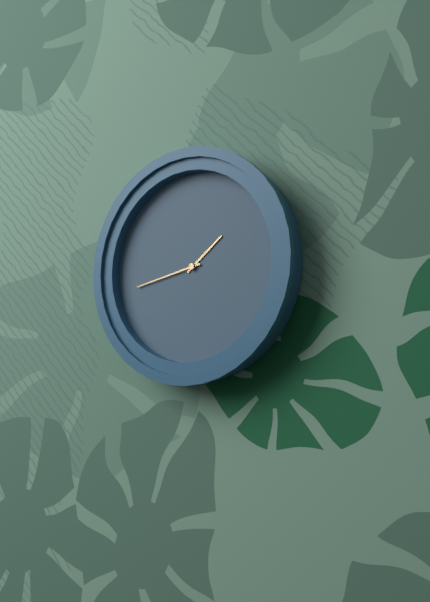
1:43
